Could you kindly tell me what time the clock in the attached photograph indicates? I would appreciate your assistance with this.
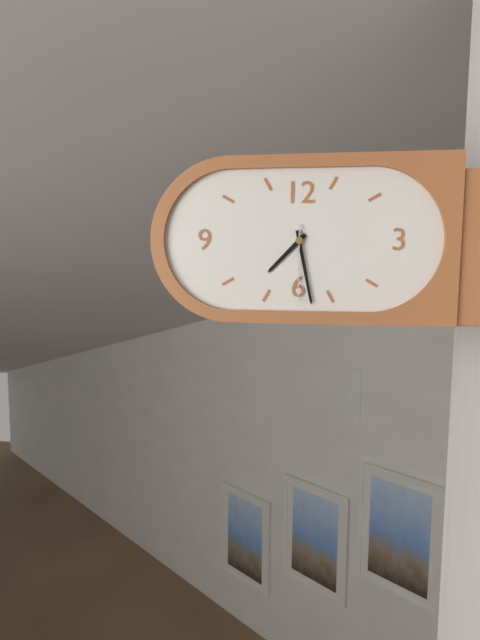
7:28:30
